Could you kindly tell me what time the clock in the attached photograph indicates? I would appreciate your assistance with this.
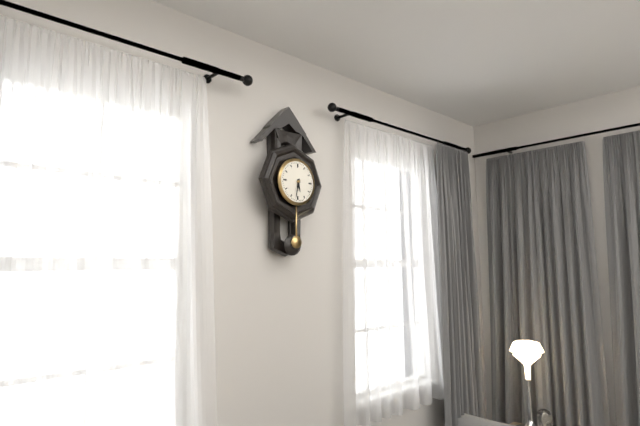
5:32
